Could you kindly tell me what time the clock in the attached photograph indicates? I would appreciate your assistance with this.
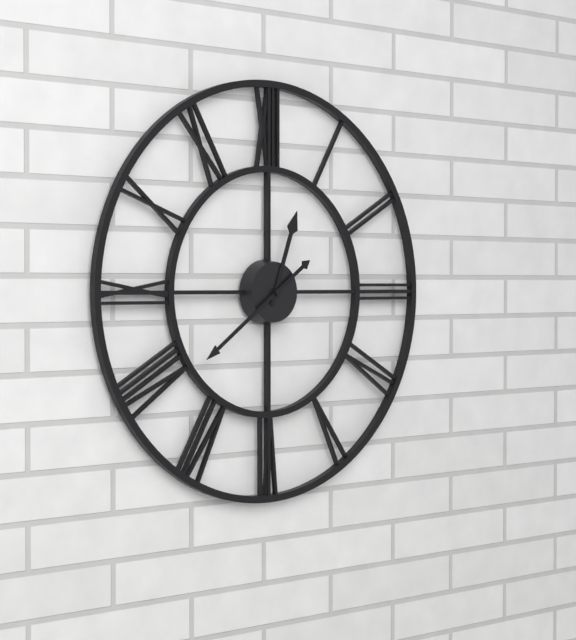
12:39
